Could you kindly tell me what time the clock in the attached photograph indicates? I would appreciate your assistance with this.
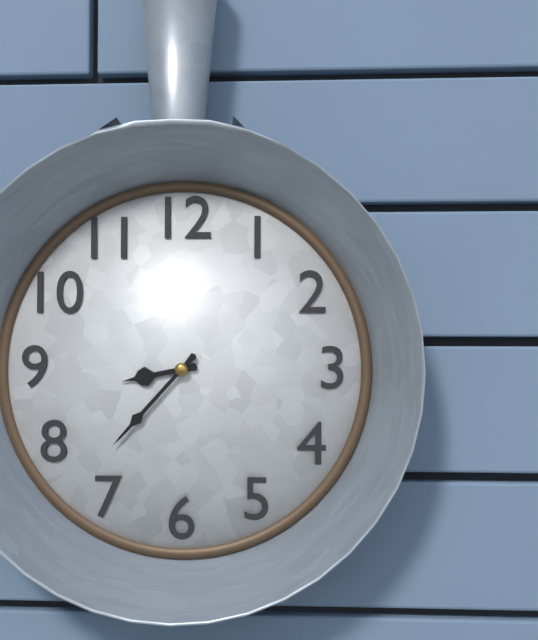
8:37
